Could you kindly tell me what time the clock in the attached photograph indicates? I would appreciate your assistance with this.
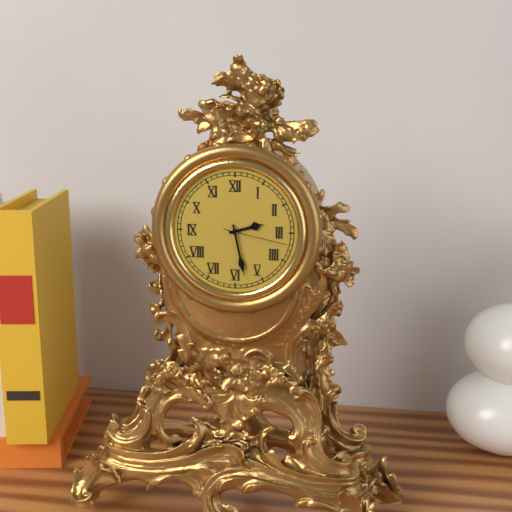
2:28:17
